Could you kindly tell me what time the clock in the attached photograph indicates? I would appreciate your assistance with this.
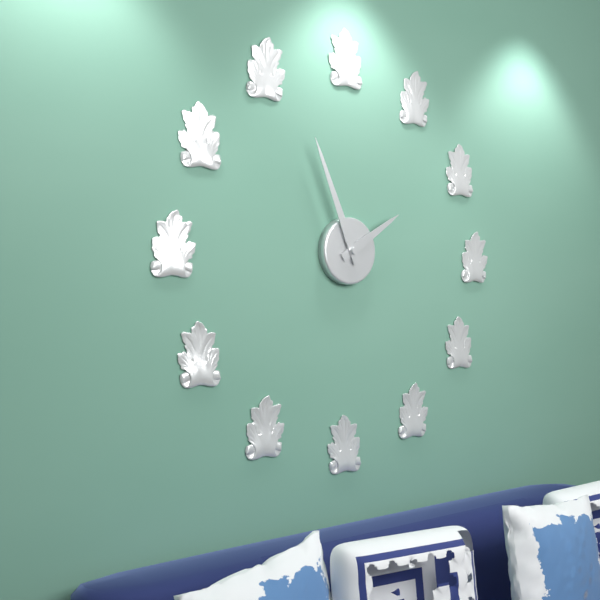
1:56
